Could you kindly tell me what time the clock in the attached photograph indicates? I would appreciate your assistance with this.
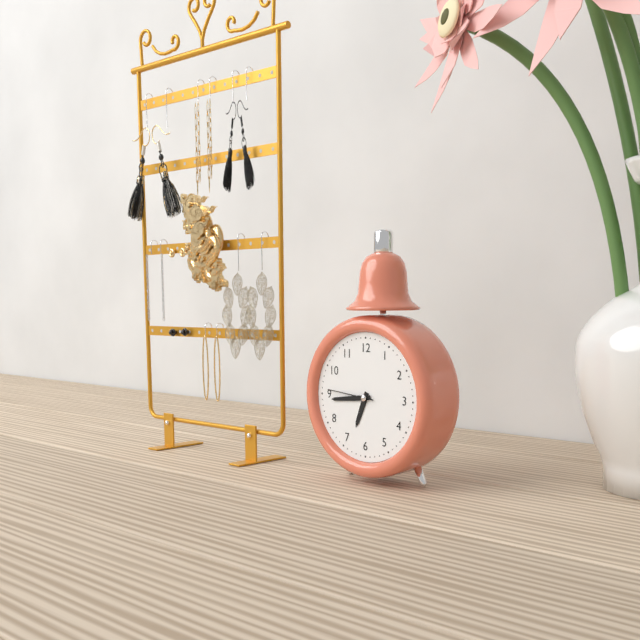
6:44
